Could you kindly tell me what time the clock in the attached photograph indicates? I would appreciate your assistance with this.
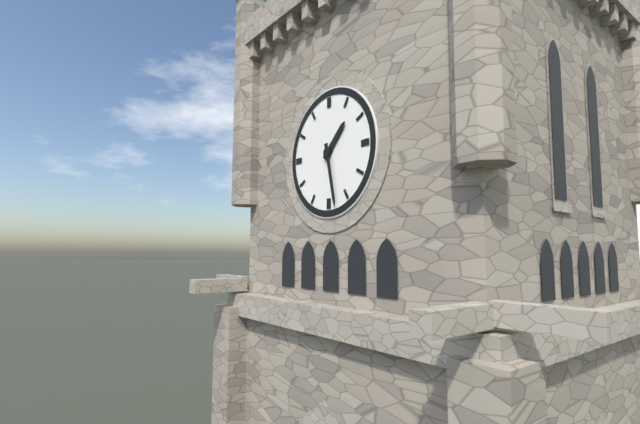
1:28
